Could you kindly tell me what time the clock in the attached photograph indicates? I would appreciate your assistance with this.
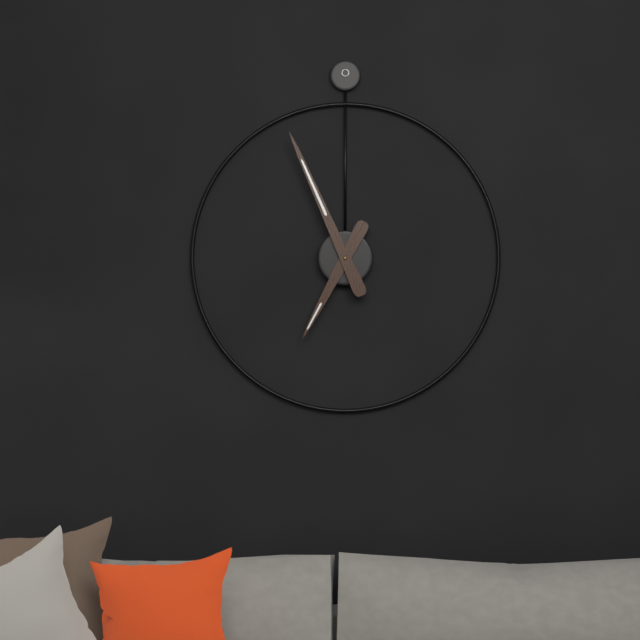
6:56
